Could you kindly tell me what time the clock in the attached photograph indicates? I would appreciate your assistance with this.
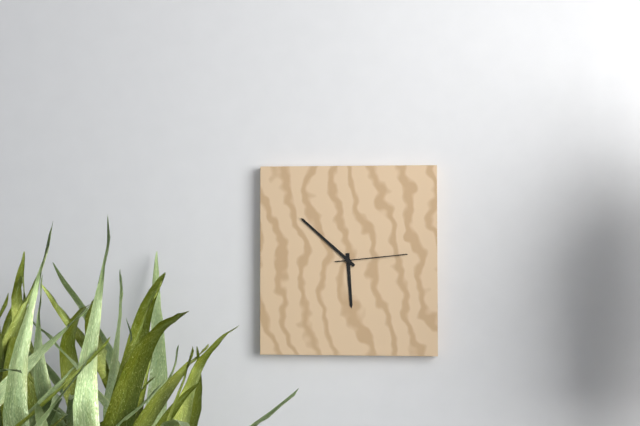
5:52:14
